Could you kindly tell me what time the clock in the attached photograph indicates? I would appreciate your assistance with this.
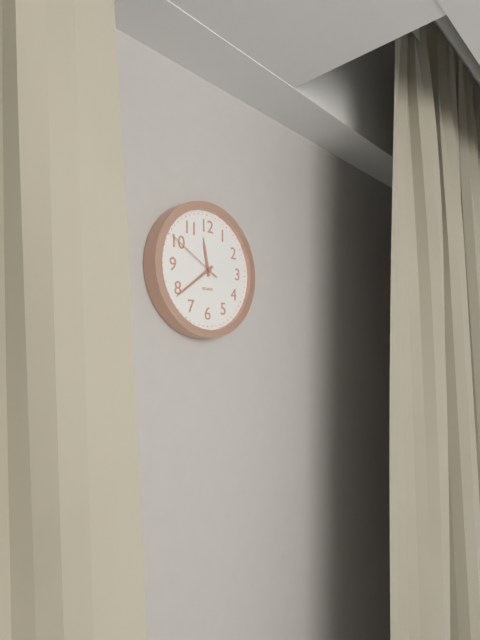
11:39:50
